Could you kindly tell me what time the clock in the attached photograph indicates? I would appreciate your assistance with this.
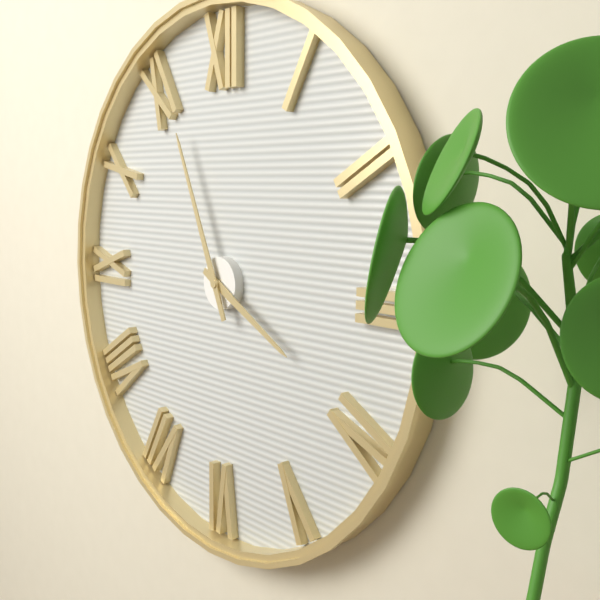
3:56
